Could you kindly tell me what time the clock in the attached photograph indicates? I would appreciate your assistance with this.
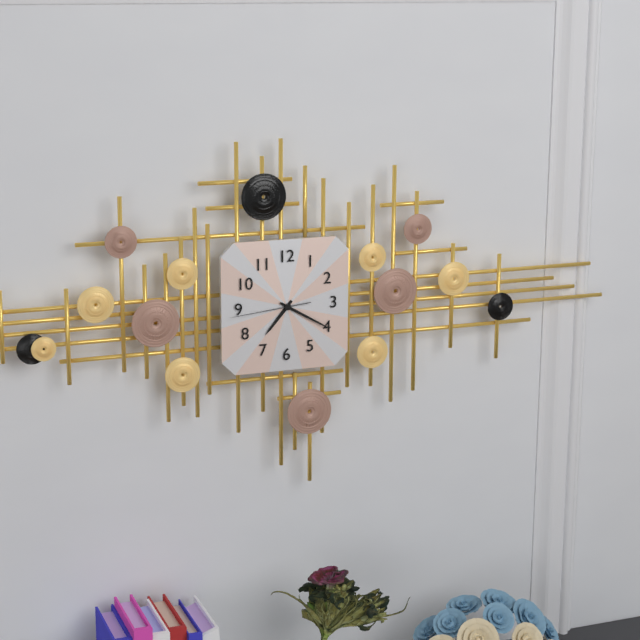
7:20:44
